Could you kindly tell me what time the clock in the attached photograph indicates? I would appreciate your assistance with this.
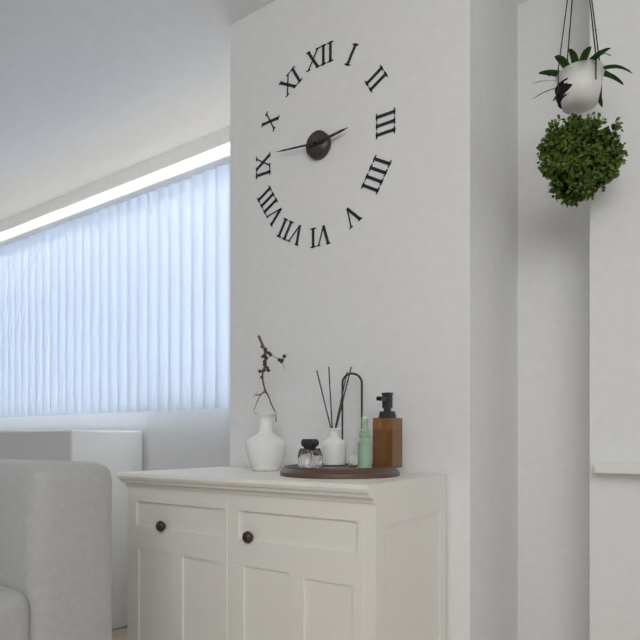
2:46
